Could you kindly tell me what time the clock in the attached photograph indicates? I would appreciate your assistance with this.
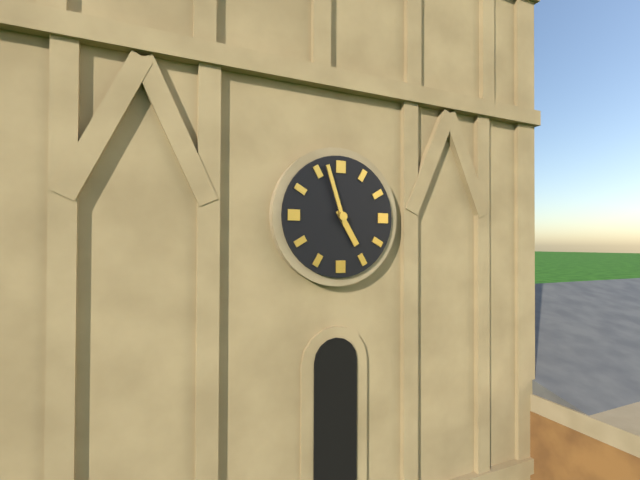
4:57
